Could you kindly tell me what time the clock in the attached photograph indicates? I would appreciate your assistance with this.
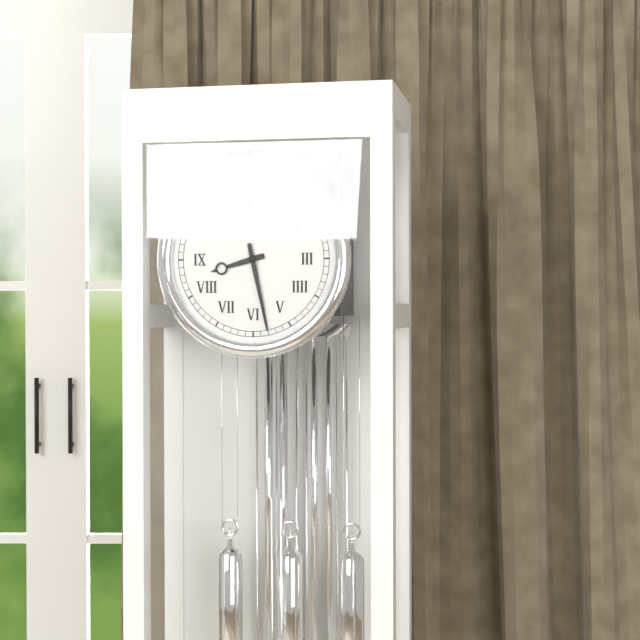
8:28
